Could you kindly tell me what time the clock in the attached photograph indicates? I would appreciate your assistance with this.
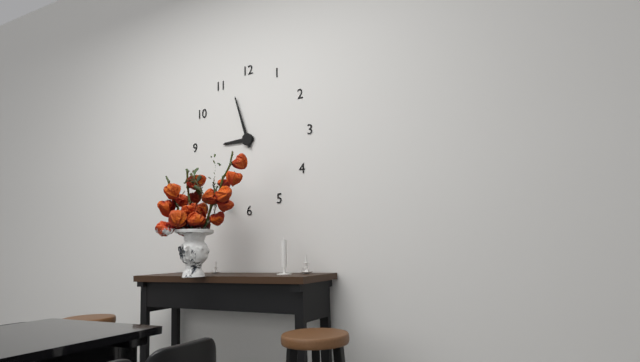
8:57
